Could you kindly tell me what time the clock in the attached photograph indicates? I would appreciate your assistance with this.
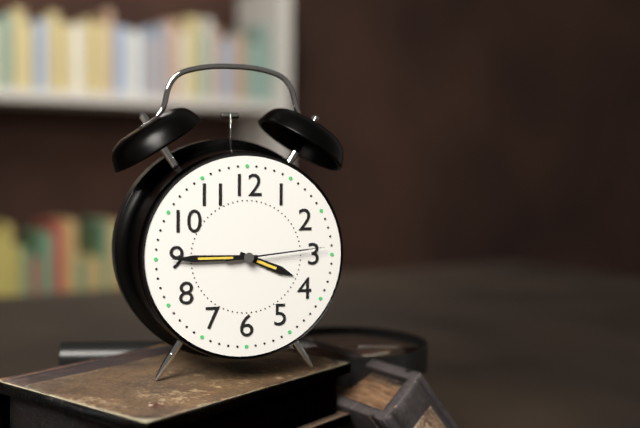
3:45:14
